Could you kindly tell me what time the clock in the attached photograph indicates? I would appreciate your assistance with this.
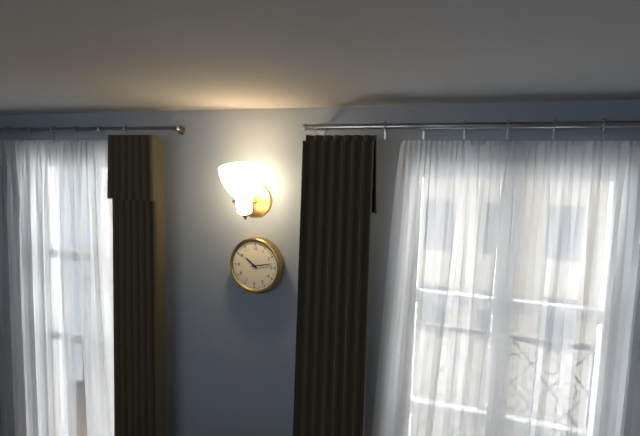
10:13
